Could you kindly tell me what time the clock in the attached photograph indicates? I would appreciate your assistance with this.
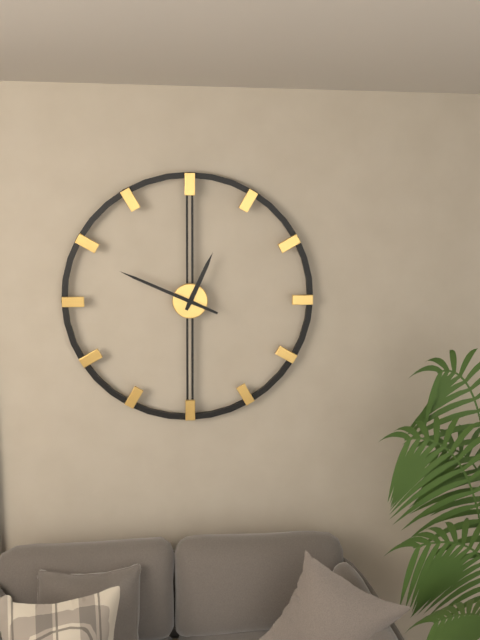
12:49
